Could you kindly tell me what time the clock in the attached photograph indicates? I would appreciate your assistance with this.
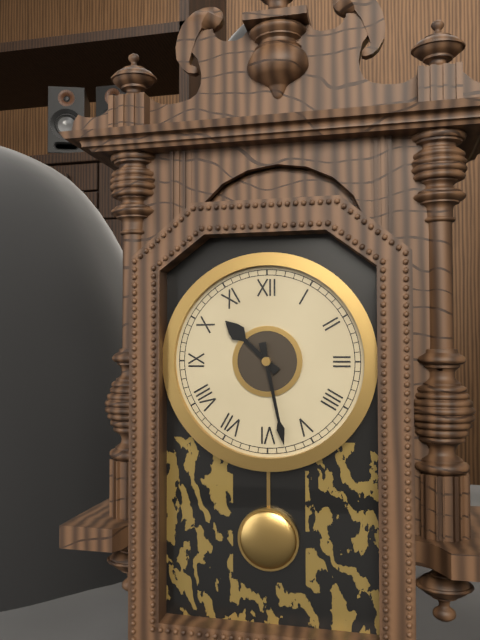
10:28
